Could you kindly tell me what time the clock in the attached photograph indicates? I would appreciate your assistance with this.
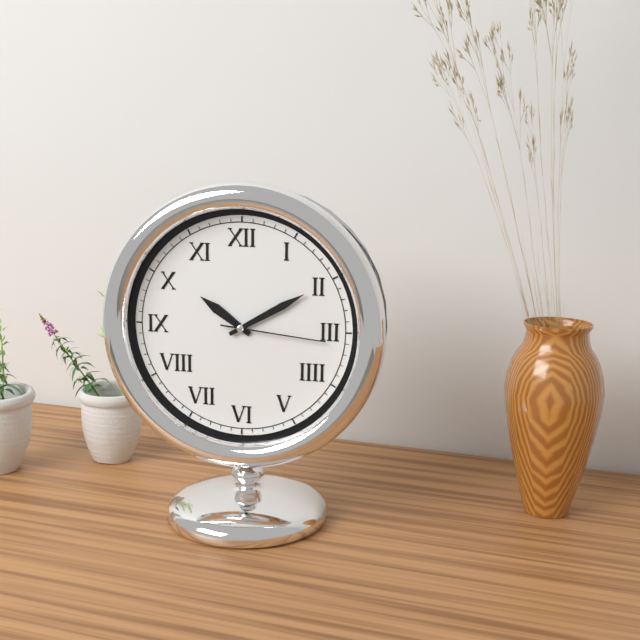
10:10:16
